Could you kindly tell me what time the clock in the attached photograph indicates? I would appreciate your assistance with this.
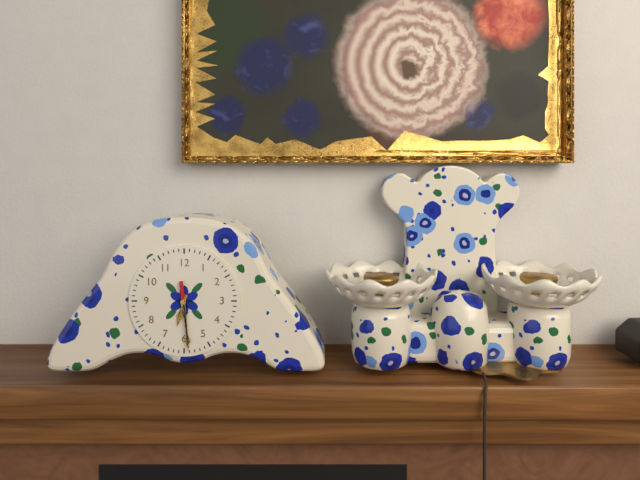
6:29:29
